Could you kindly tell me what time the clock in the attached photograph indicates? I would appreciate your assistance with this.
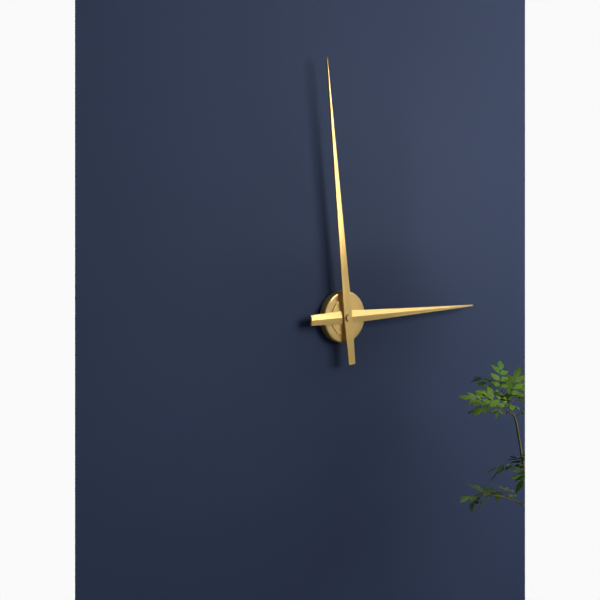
2:59
